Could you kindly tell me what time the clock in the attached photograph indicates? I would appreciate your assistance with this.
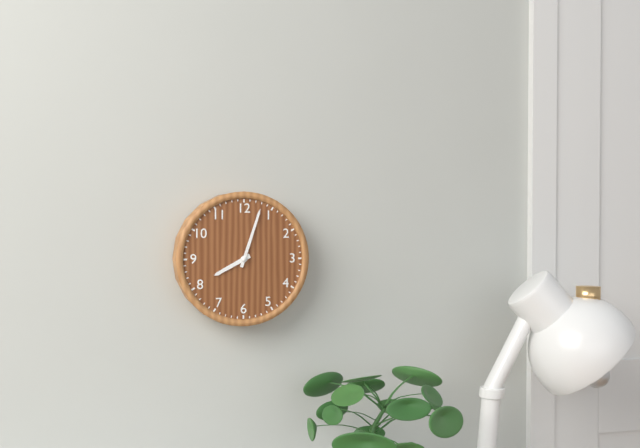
8:03
